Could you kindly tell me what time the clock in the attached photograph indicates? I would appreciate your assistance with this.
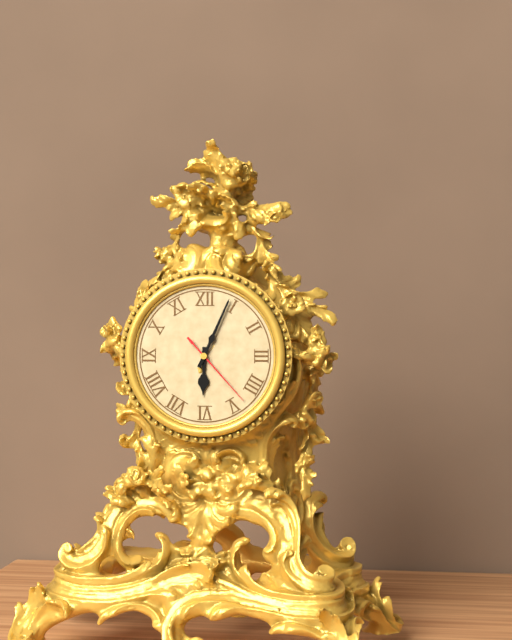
6:04:23
